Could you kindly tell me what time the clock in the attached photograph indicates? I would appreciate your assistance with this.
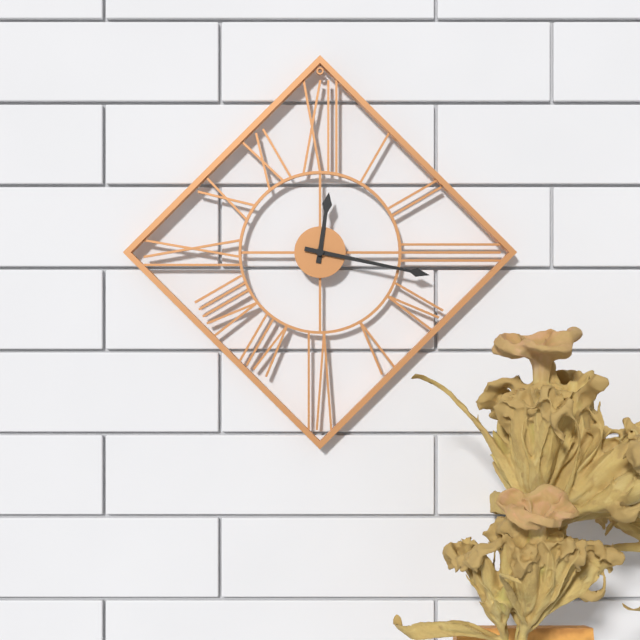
12:17
